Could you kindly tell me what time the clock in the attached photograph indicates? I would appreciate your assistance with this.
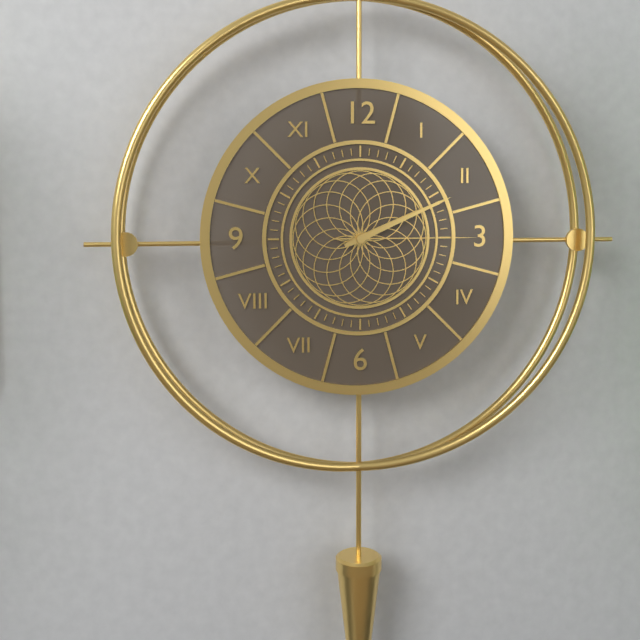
2:11:15
